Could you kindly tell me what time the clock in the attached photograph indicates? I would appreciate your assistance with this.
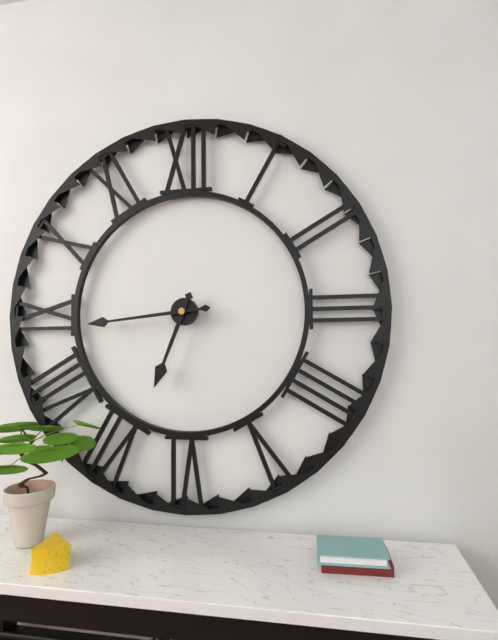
6:44
